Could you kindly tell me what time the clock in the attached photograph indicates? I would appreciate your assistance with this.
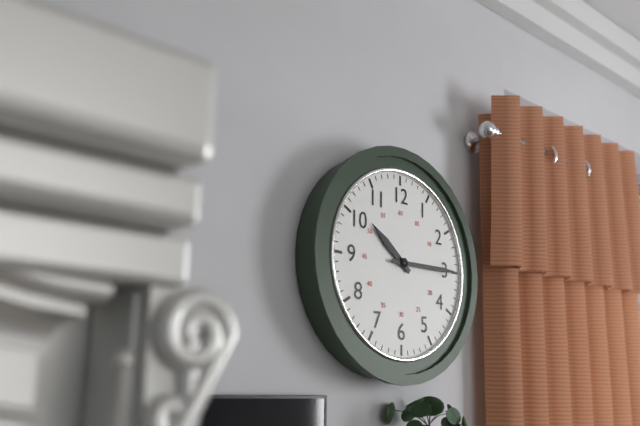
10:15
